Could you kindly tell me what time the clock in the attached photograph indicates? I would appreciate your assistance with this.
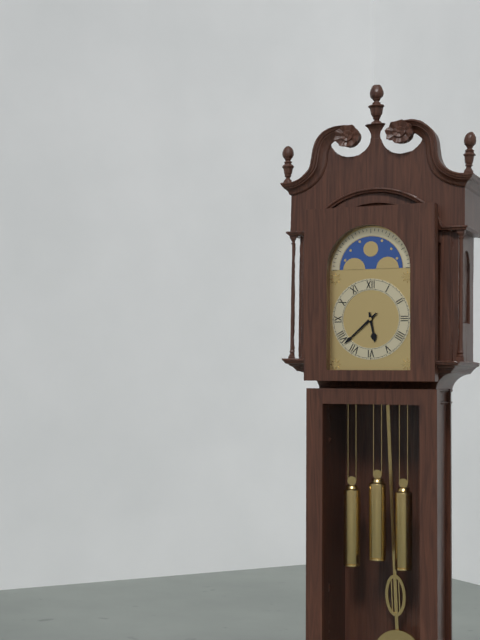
5:38
